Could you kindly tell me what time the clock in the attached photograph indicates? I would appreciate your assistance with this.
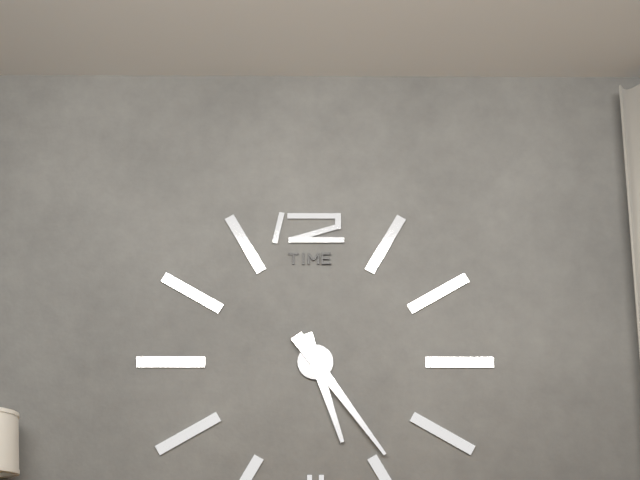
5:24
